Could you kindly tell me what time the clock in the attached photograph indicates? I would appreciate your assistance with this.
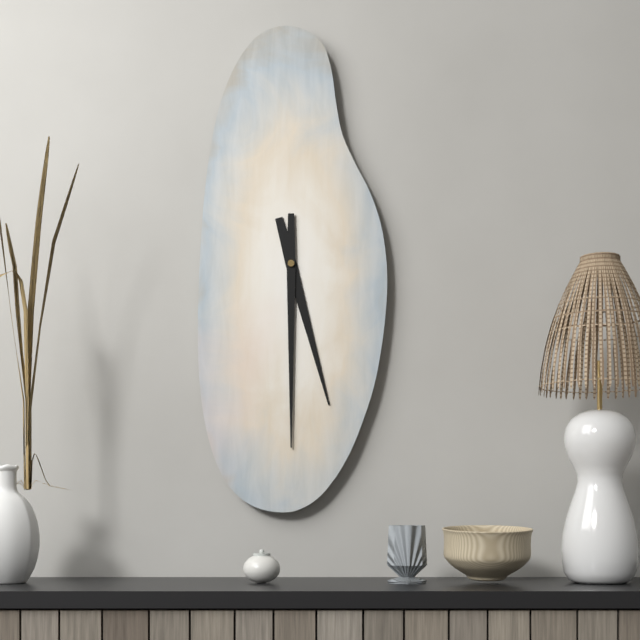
5:30
